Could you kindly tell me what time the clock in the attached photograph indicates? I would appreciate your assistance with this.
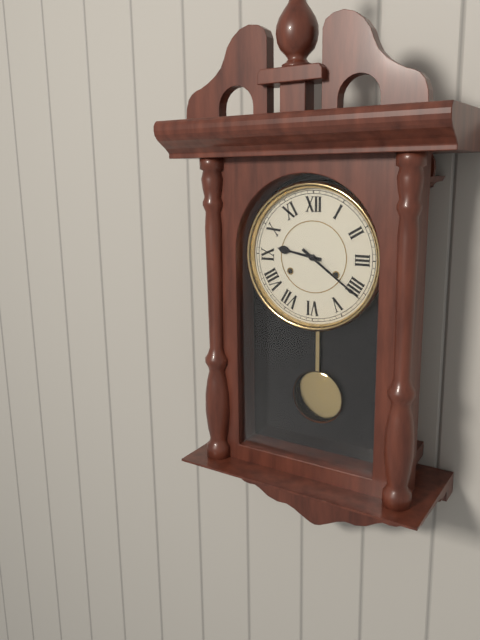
9:21
